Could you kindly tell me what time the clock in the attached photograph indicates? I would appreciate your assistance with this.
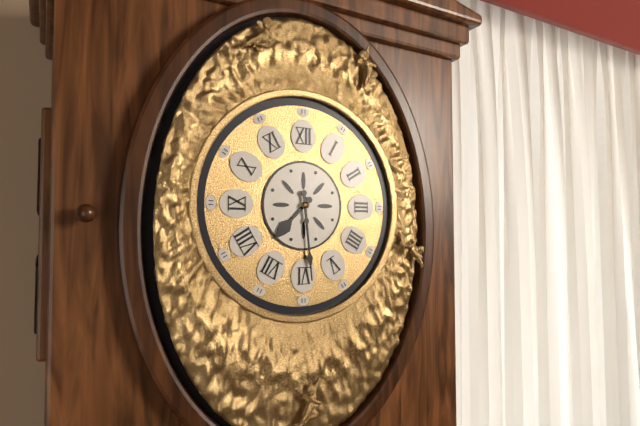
7:29
